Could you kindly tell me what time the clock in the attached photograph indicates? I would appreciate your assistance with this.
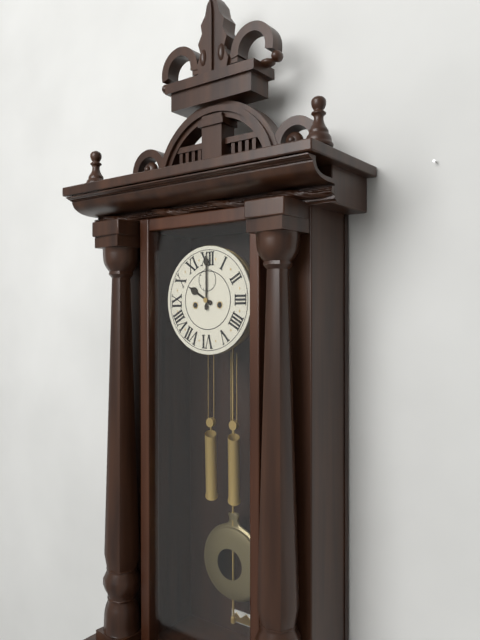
10:00
